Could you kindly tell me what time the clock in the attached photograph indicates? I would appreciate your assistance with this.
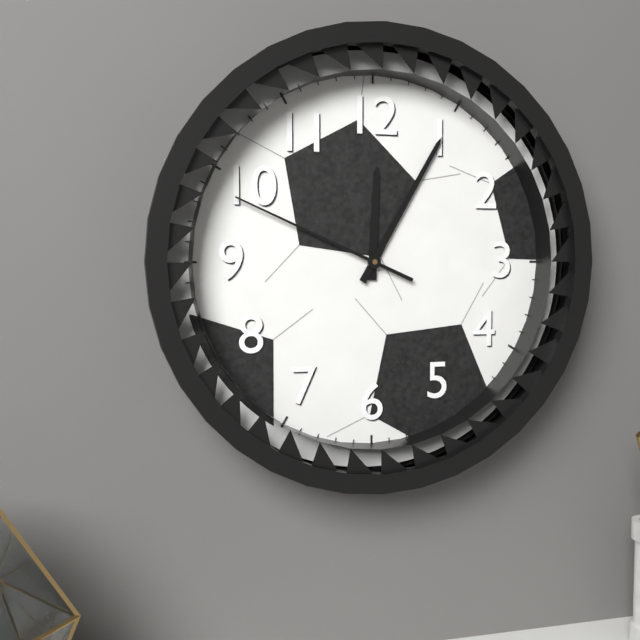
12:05:49
